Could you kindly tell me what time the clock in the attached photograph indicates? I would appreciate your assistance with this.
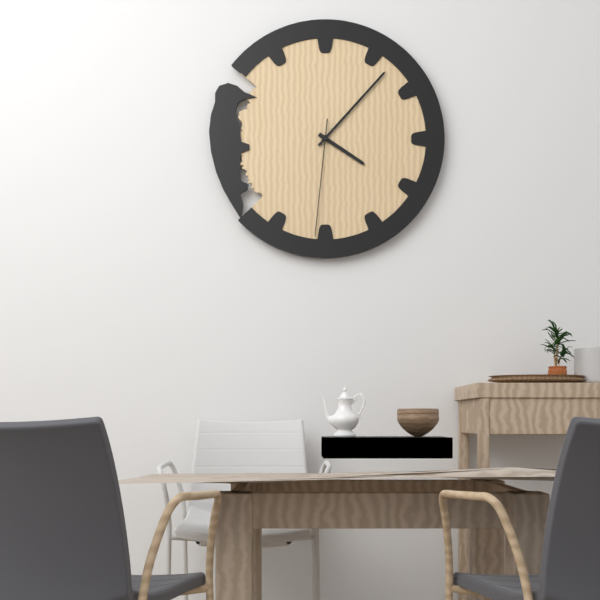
4:07:31
